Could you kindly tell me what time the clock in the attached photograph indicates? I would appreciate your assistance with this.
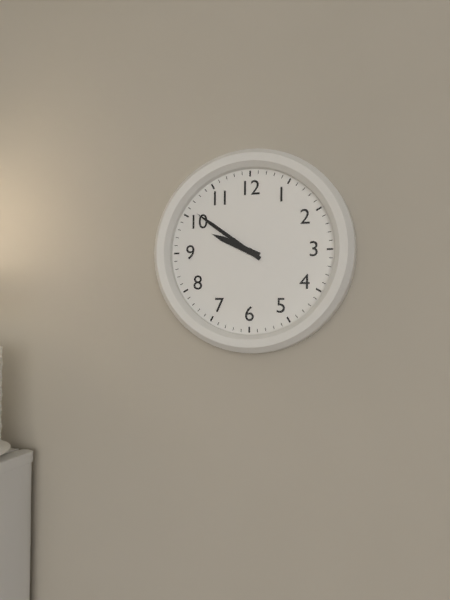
9:51
